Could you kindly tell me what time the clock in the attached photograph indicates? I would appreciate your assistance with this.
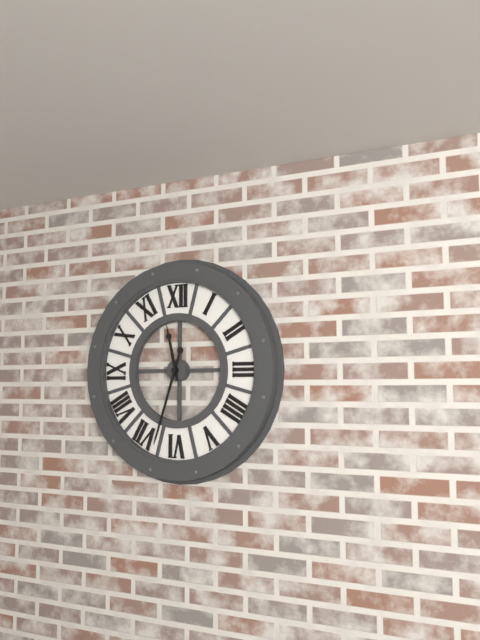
11:33
